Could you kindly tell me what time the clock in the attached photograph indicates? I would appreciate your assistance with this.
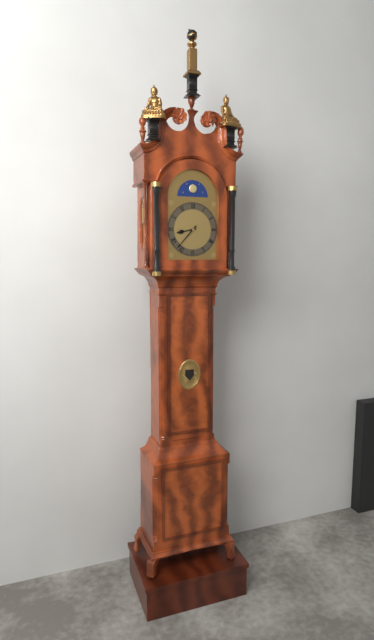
8:37
